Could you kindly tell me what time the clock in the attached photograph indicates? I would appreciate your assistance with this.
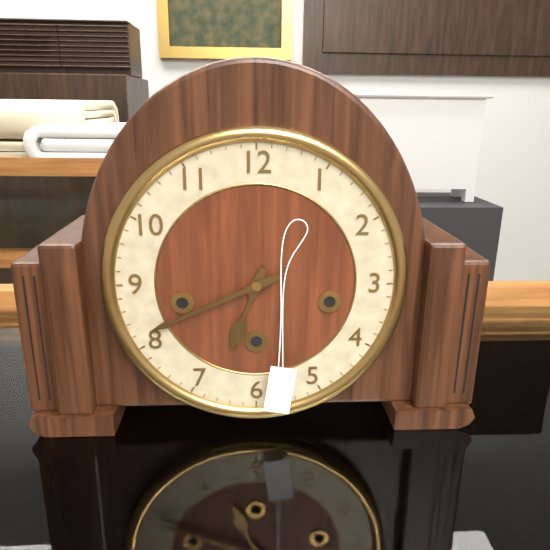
6:41
